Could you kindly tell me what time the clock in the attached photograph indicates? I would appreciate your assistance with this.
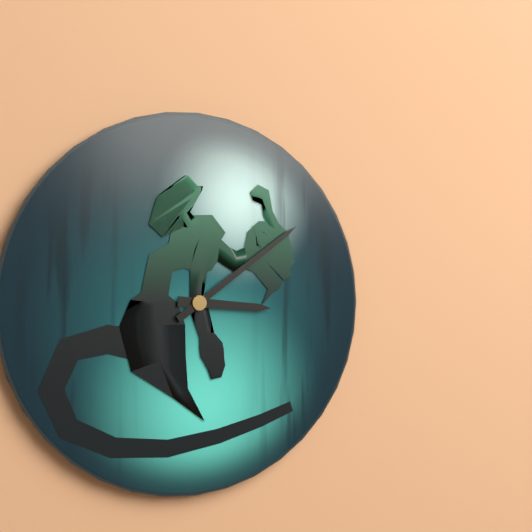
3:09
